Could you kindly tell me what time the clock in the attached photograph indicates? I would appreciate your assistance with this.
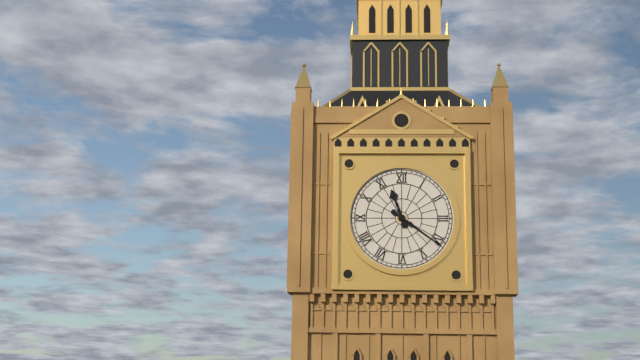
11:21
